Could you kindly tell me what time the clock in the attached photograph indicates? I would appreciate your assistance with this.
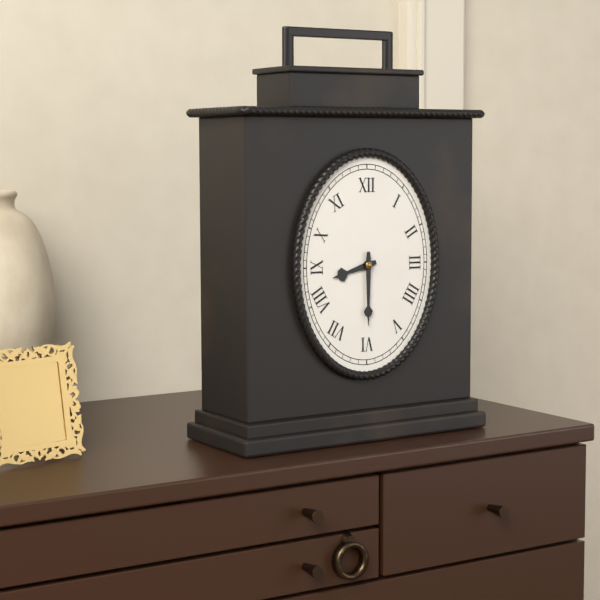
8:30
